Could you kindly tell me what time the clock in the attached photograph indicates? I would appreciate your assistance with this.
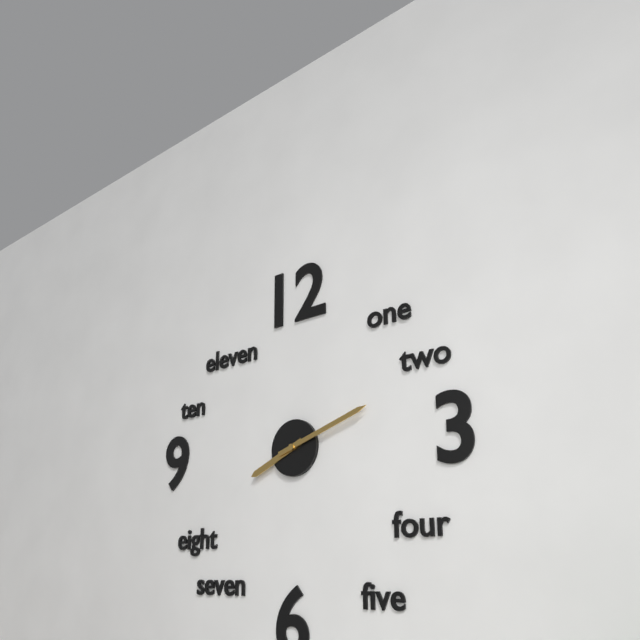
8:12
